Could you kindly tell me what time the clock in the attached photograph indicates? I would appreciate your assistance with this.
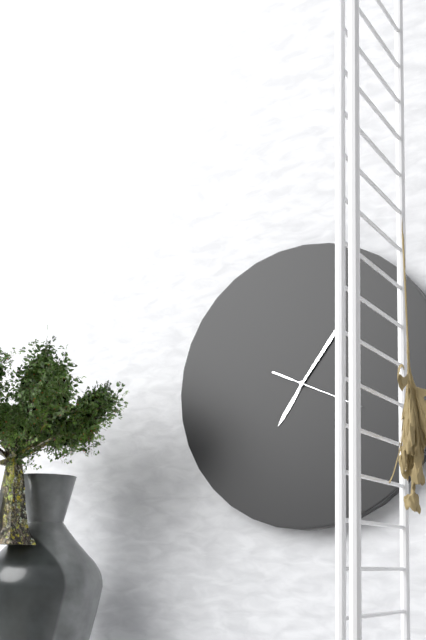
7:06:19
